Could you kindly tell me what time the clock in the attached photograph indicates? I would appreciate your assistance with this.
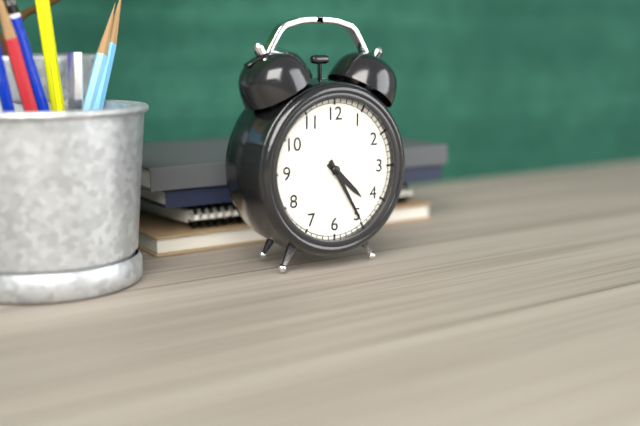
4:25
